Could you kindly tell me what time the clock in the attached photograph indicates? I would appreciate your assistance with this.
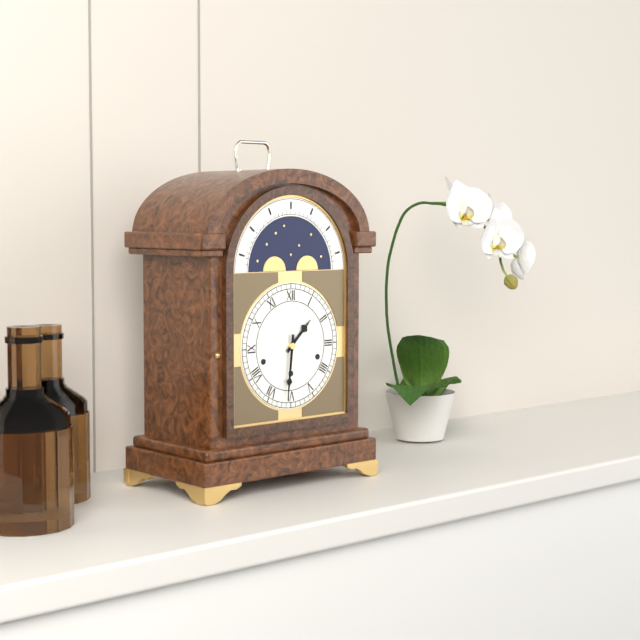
1:31
